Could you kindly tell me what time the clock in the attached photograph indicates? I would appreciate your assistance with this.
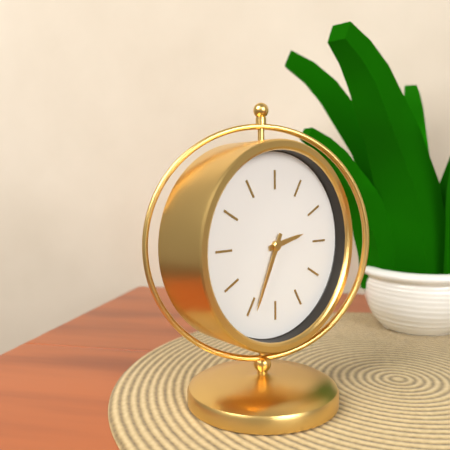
2:34
